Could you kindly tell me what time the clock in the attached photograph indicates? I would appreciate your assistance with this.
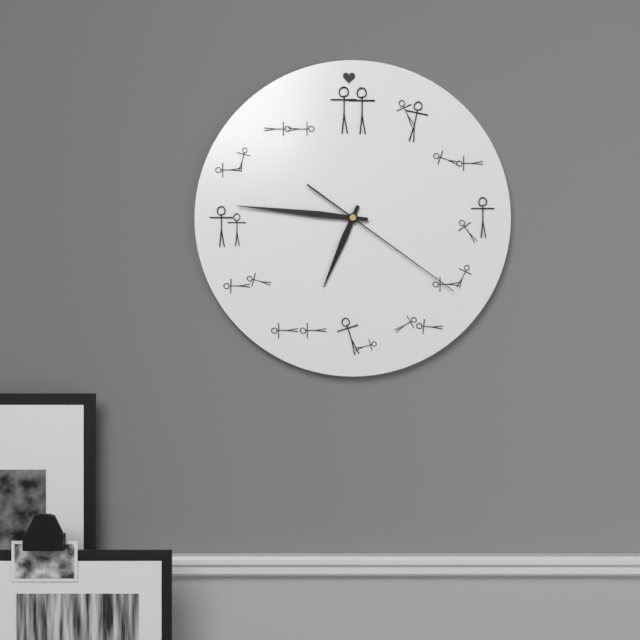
6:46:21
